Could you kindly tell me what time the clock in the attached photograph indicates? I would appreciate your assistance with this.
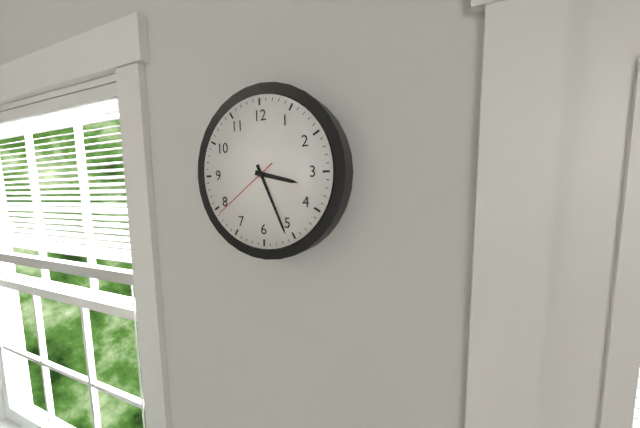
3:26:39
